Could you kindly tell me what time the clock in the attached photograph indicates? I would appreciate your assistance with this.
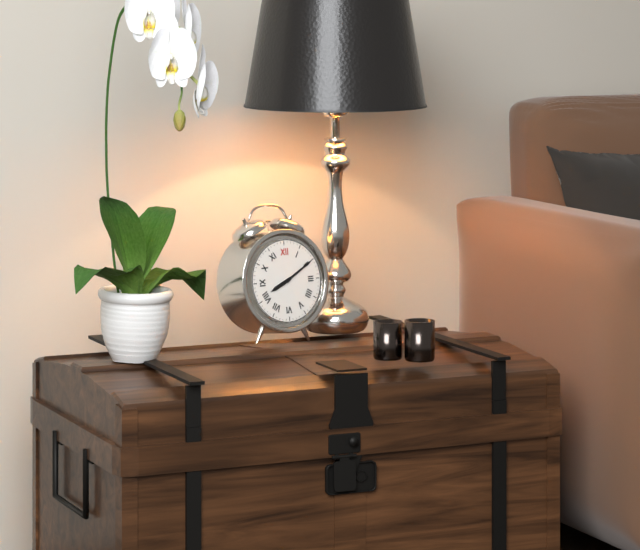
8:10
